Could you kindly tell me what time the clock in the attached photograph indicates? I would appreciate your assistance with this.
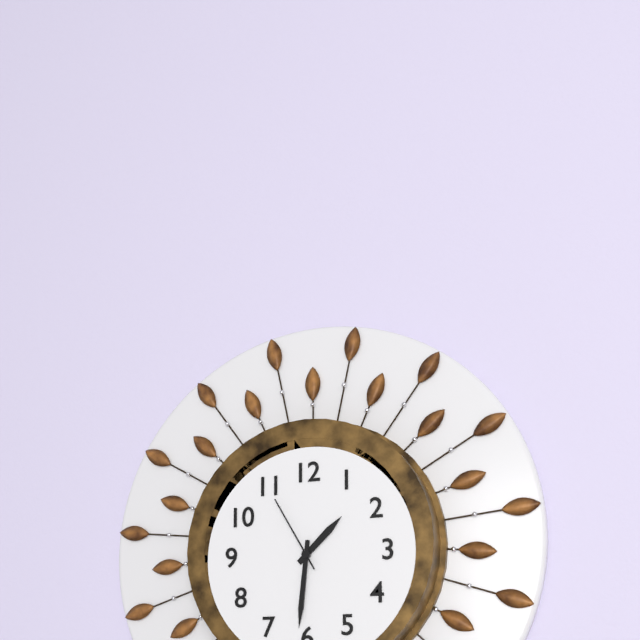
1:31:55
